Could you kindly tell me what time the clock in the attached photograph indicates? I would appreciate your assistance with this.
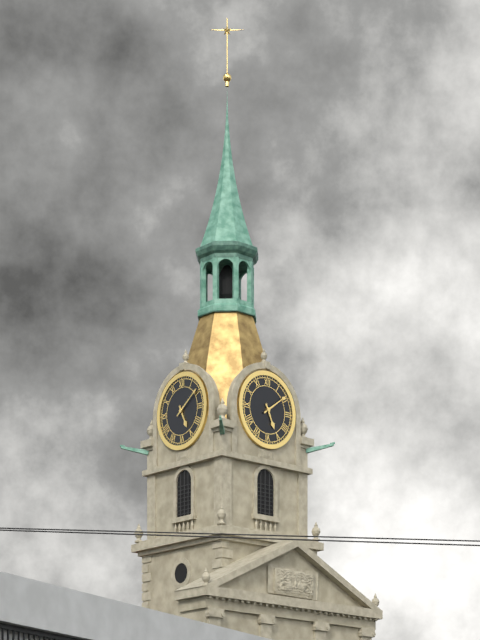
5:09
